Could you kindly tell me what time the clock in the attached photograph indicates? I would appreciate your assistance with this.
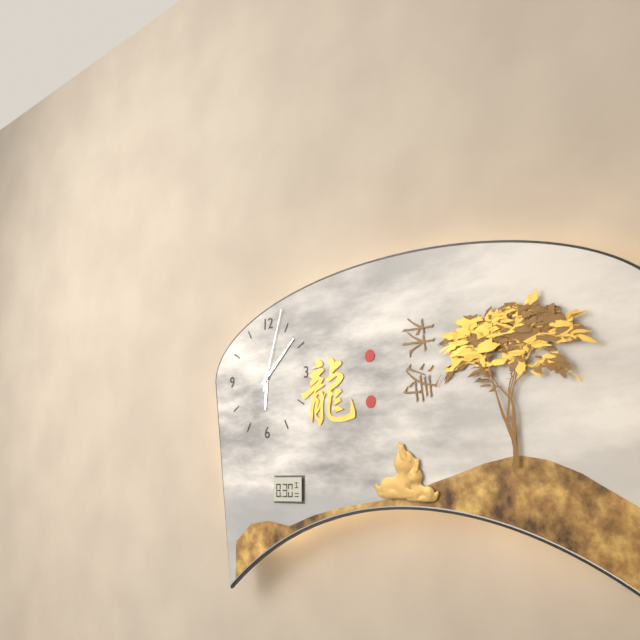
6:08:03
